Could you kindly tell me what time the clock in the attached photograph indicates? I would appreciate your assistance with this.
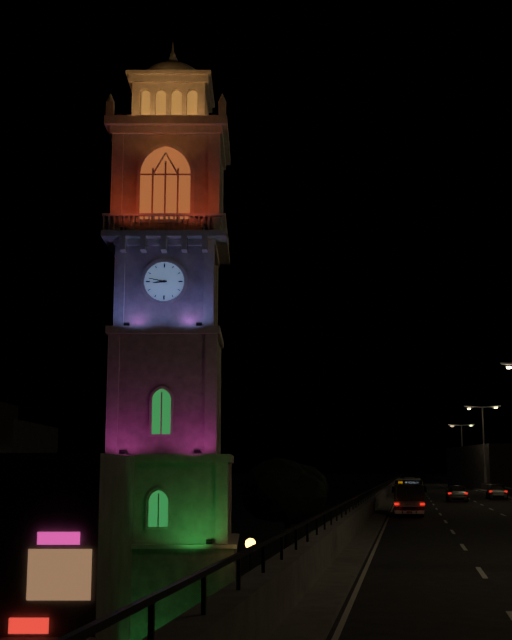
8:47
